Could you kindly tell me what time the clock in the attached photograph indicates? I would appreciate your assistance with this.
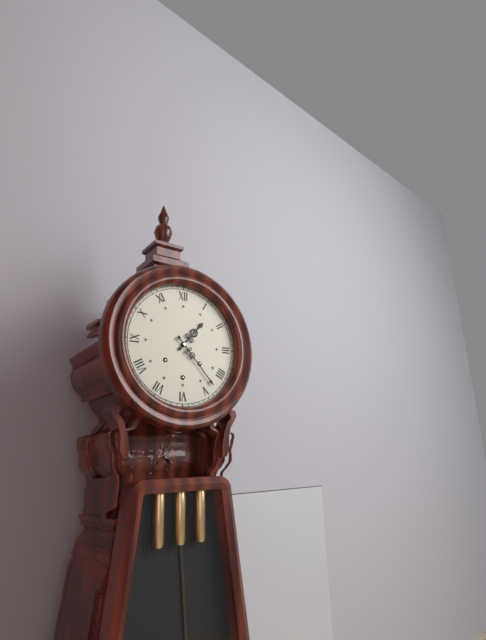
1:23
